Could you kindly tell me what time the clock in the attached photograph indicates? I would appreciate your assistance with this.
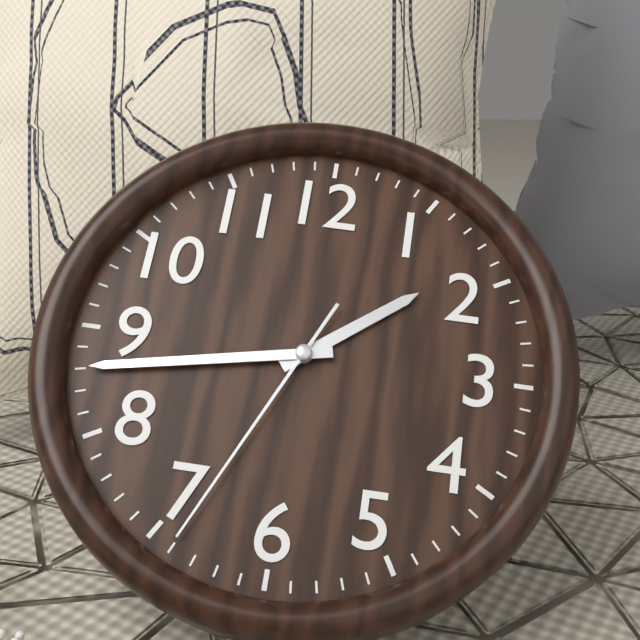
1:43:34
